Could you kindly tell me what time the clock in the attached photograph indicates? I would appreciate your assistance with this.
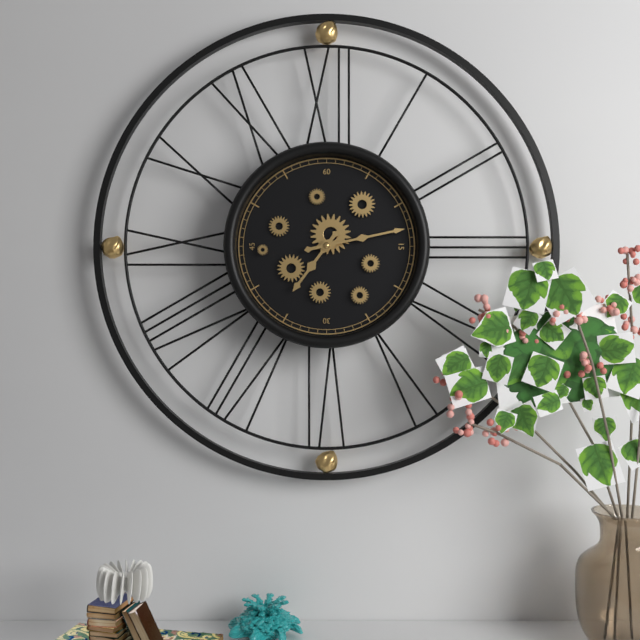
7:13
